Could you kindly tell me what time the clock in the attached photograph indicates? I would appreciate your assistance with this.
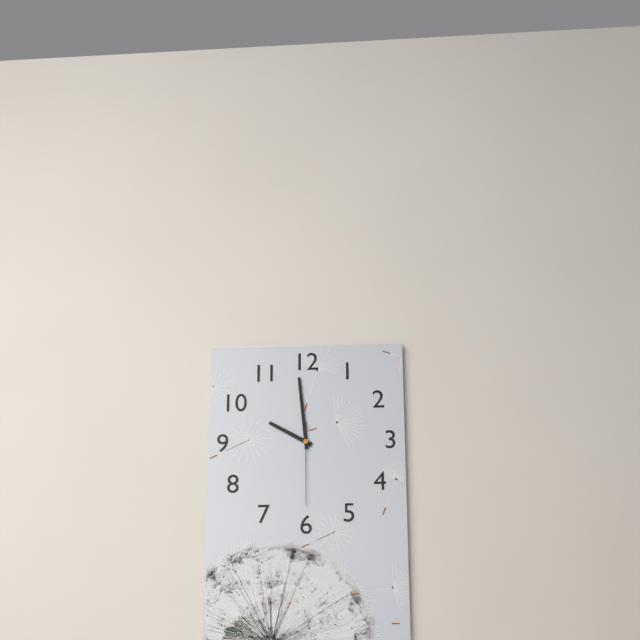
9:59:30
